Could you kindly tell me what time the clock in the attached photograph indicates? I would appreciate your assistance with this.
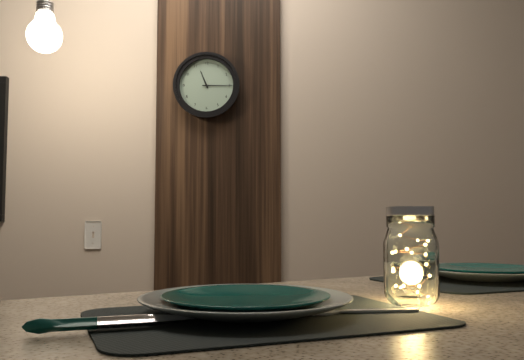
11:15
